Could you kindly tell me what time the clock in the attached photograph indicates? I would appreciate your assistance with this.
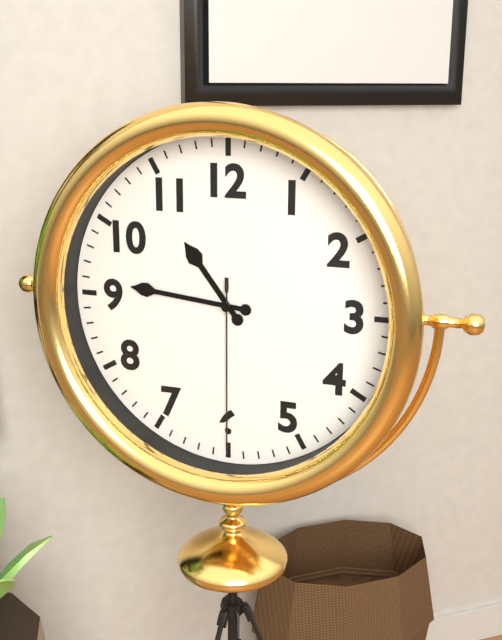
10:46:30
